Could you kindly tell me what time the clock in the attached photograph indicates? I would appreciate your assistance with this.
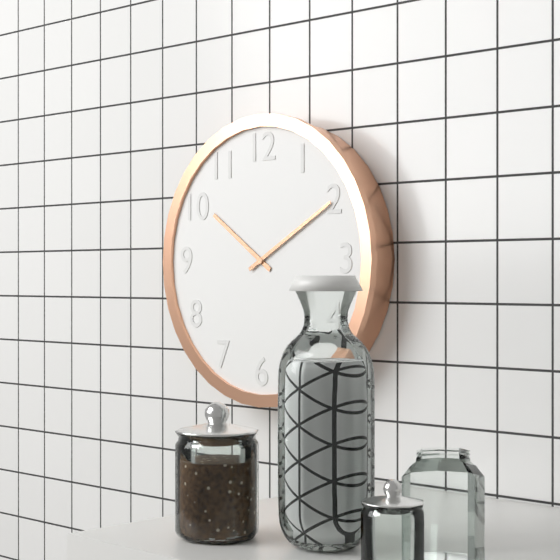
10:10
